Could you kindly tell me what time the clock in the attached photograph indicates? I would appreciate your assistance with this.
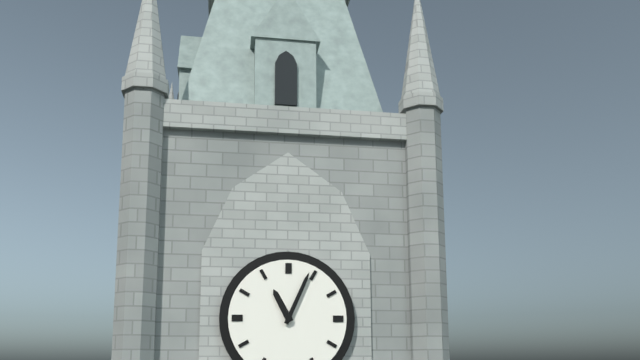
11:04
